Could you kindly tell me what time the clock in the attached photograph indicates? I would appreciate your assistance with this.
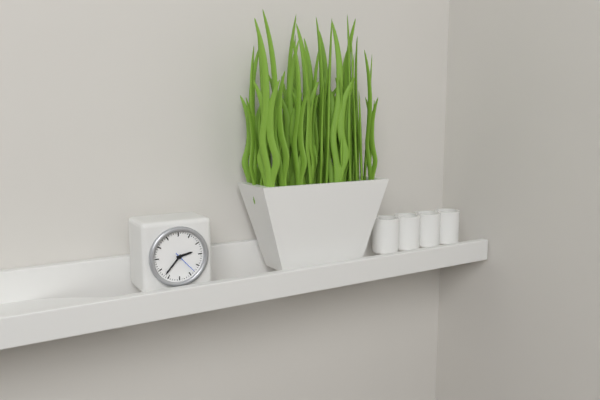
2:37
